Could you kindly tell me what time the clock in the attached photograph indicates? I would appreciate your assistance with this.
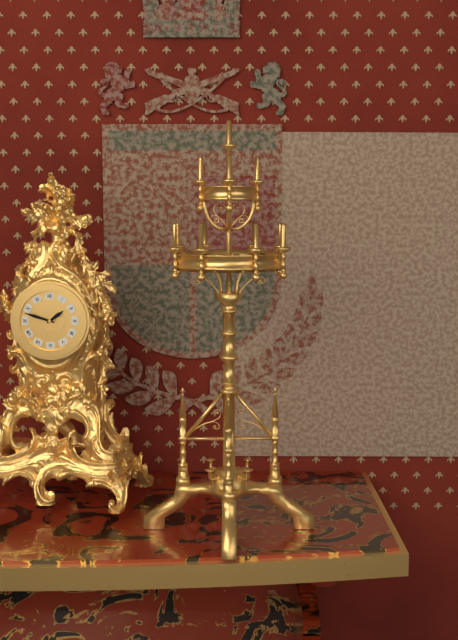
1:48
